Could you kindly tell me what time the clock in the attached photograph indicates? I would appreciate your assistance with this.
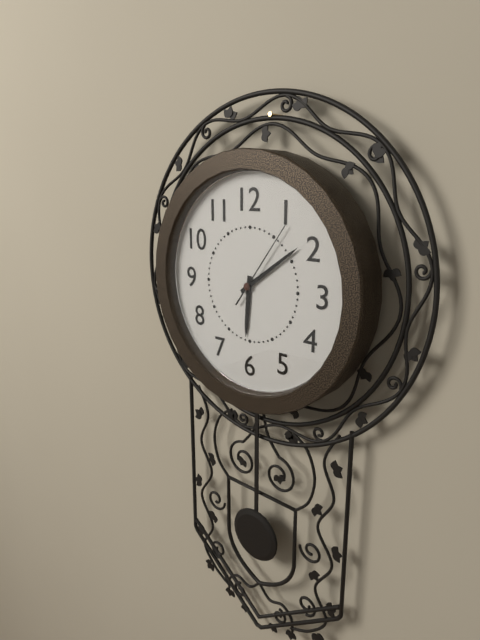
6:09:06
